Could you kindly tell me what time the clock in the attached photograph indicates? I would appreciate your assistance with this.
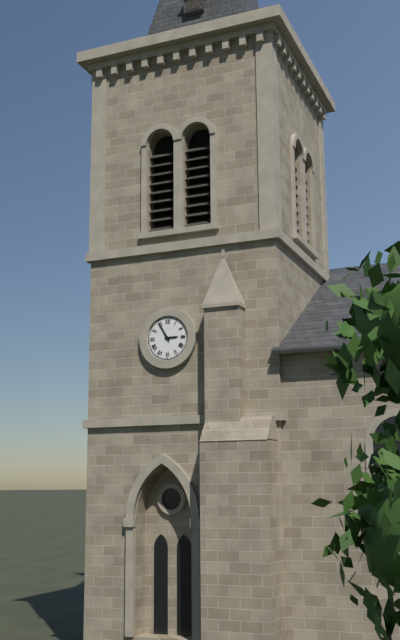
2:55
